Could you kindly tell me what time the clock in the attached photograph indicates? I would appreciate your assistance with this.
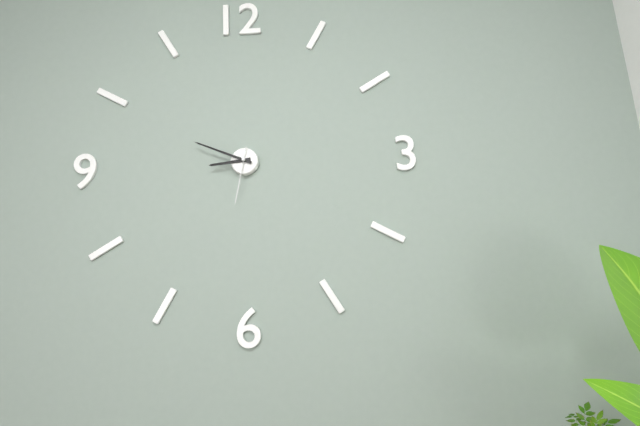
8:49:32
